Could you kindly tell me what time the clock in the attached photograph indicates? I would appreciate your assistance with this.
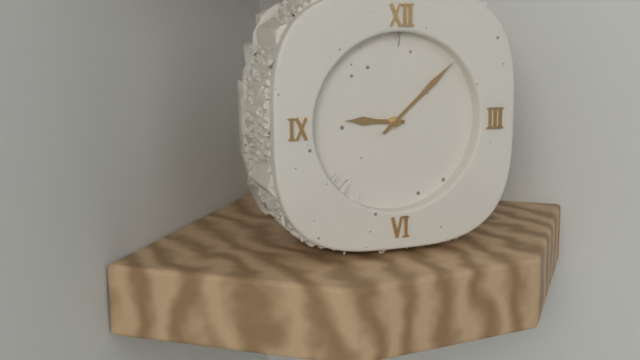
9:08
